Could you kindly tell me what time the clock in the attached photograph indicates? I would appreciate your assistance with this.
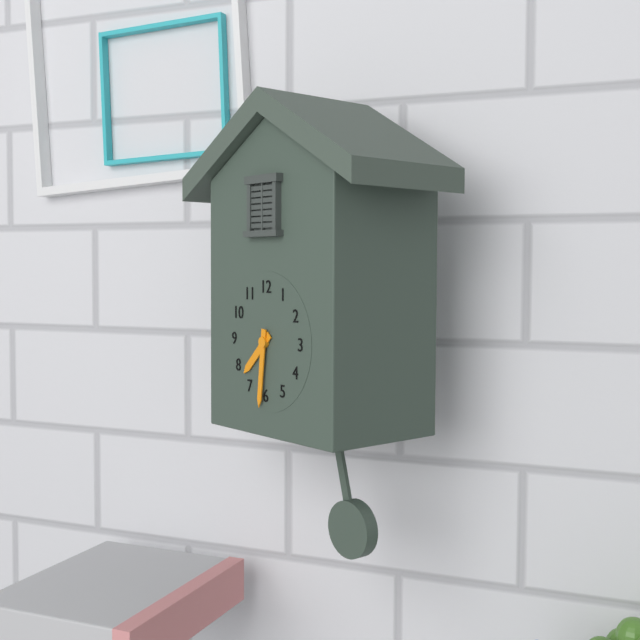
7:31
